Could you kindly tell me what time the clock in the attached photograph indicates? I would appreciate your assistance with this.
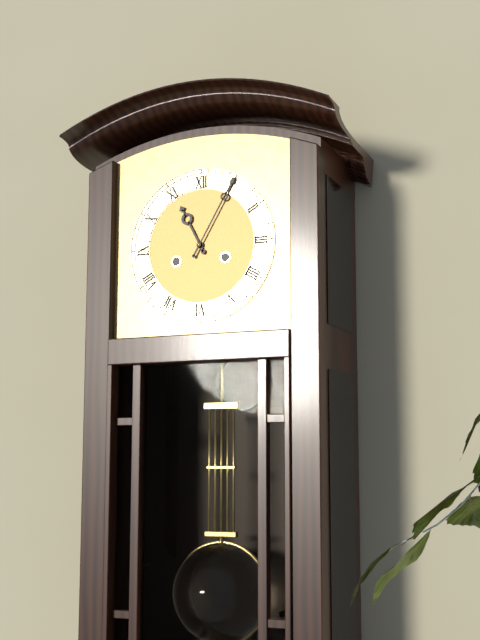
11:05
